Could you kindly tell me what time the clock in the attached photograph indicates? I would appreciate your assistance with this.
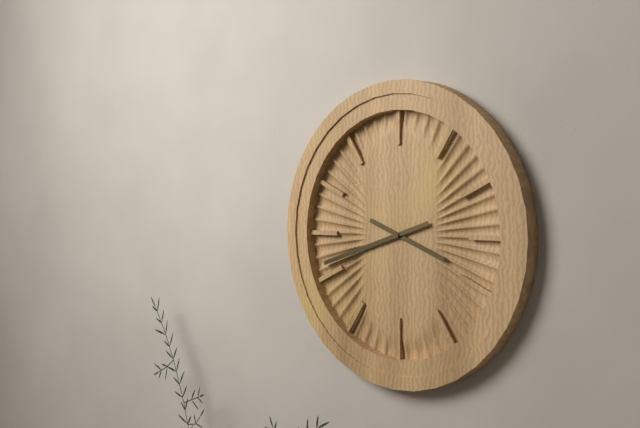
3:42
